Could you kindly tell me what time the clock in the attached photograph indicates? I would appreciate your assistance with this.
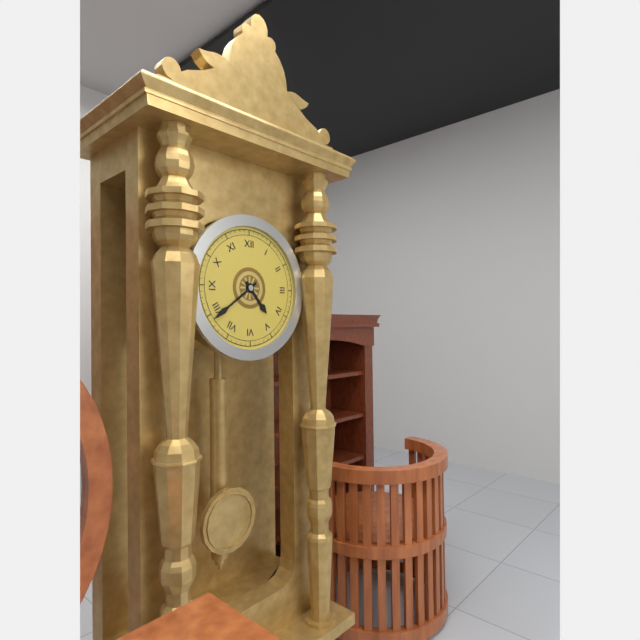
4:39
